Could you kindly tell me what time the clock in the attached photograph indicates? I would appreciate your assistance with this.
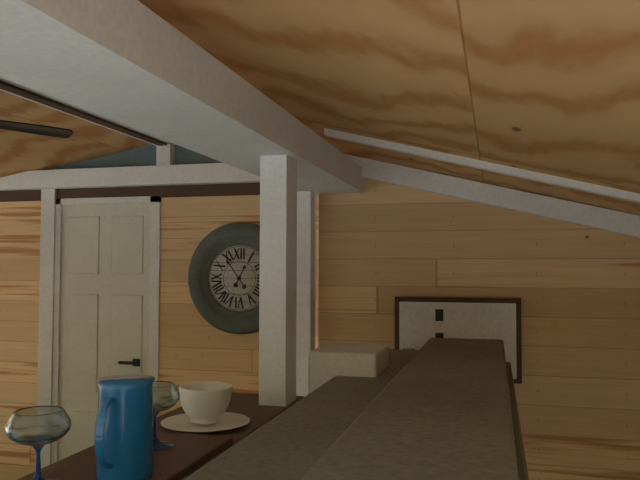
12:54
